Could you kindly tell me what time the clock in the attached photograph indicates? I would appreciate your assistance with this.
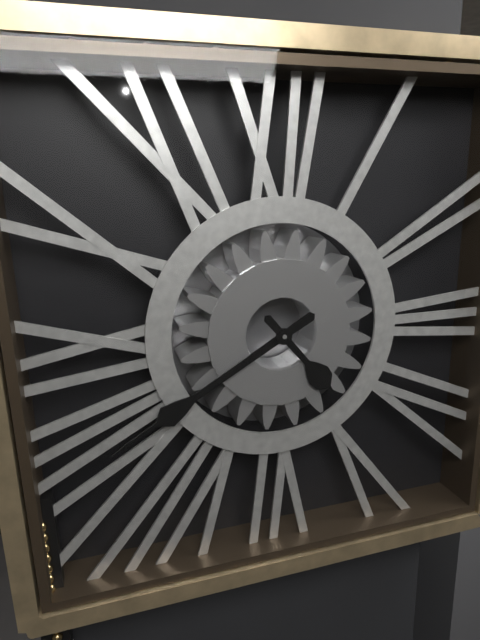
4:40
